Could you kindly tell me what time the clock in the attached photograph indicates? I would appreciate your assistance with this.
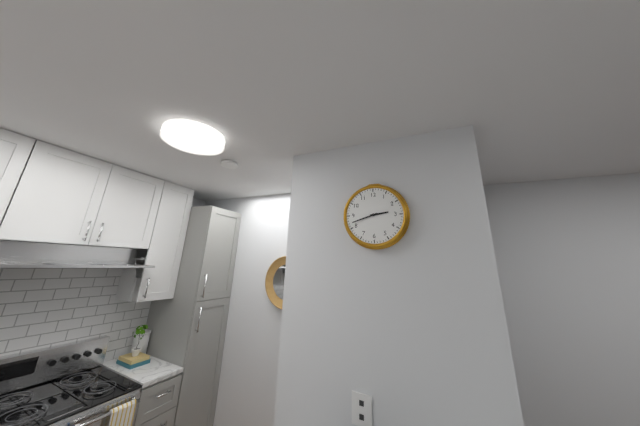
2:42
